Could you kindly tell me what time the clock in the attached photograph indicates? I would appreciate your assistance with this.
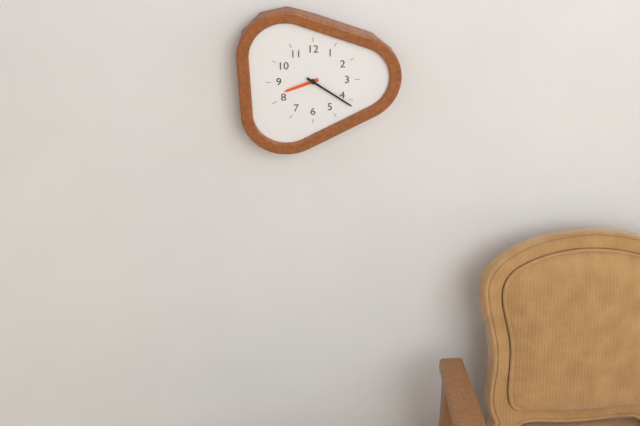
8:21
